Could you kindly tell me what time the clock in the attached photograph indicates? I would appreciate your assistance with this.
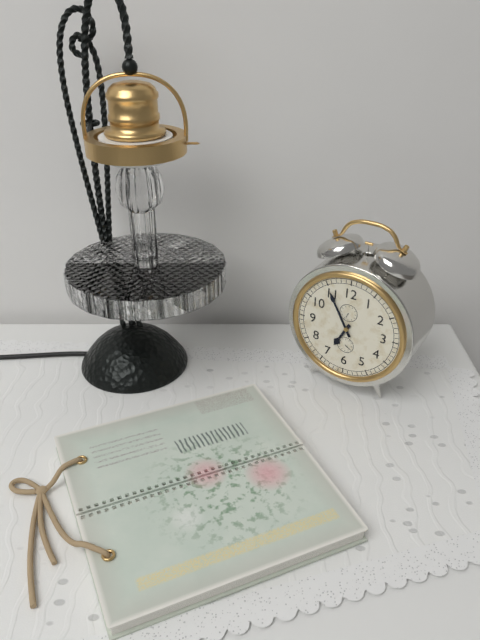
6:55
